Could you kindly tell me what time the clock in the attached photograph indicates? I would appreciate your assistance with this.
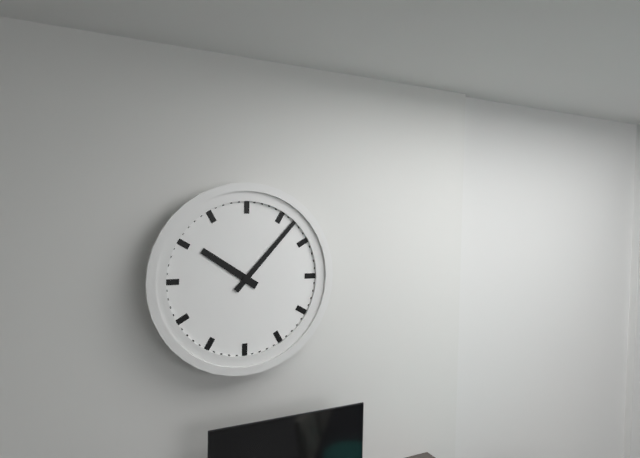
10:07
